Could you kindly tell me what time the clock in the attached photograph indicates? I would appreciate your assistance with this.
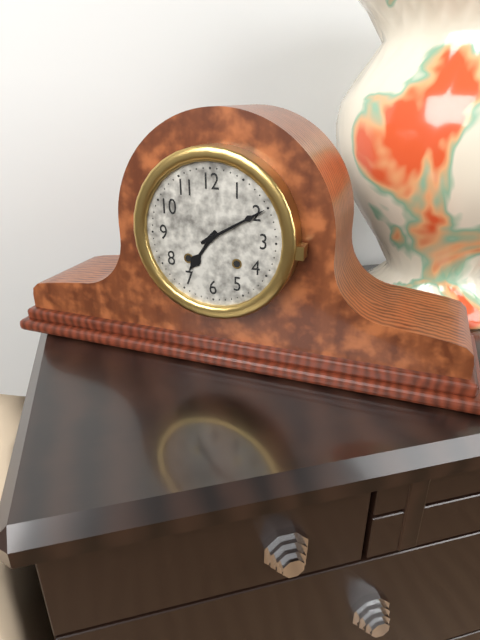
7:10
